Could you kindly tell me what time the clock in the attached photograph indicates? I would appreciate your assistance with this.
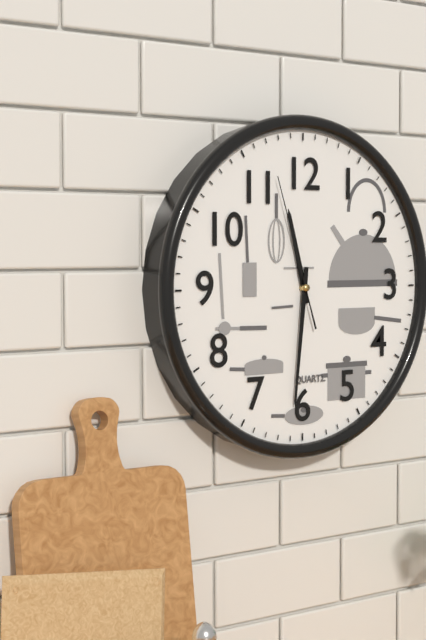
11:31:57
